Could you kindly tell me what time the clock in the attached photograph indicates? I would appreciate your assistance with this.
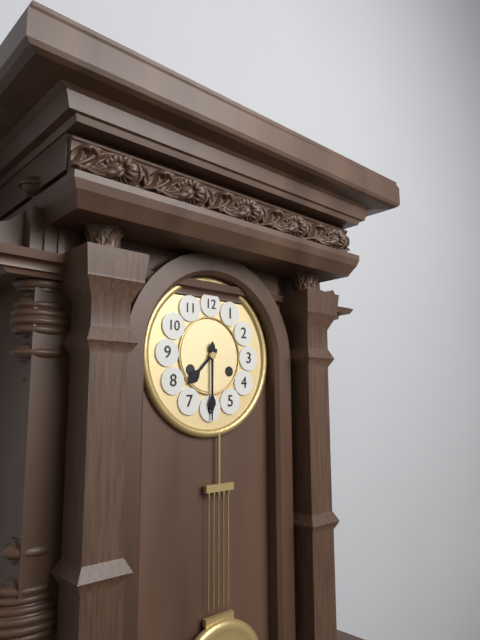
7:30
